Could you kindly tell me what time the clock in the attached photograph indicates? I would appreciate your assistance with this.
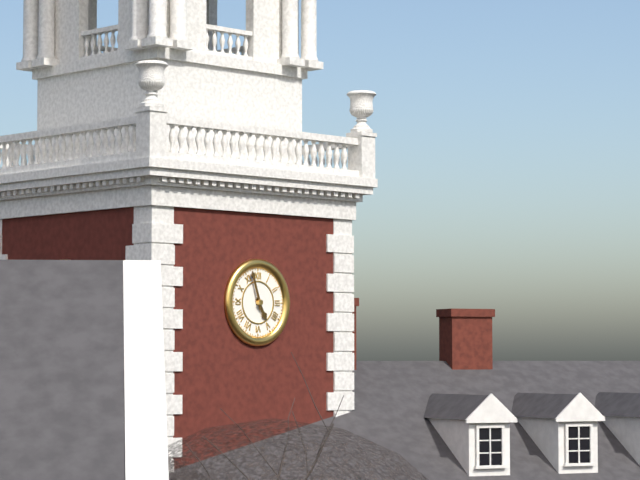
4:57
